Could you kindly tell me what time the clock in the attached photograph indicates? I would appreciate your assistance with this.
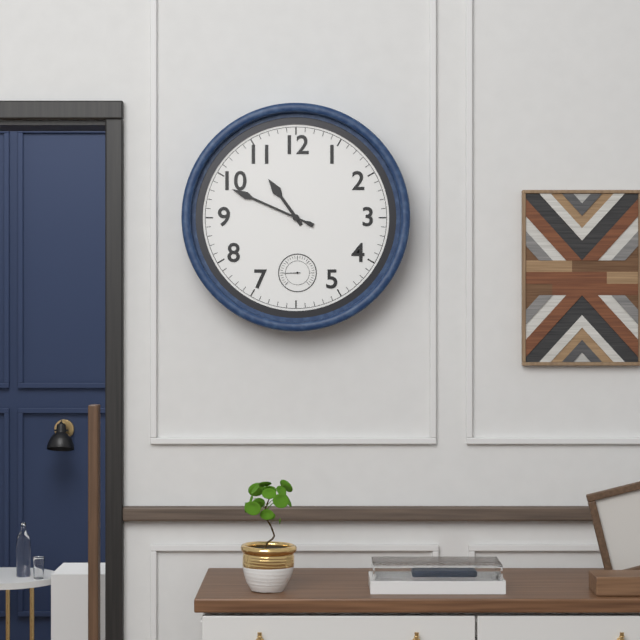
10:49
